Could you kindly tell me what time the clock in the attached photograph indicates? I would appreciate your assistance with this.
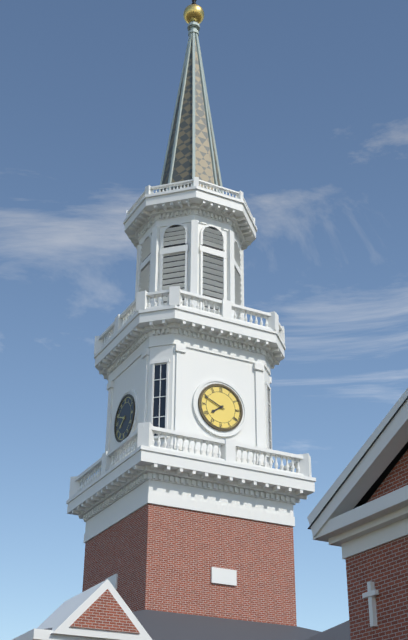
7:49
